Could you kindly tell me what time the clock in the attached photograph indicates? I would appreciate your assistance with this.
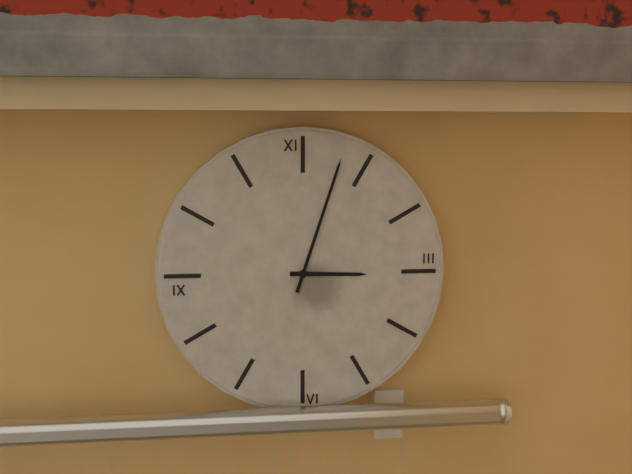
3:03
